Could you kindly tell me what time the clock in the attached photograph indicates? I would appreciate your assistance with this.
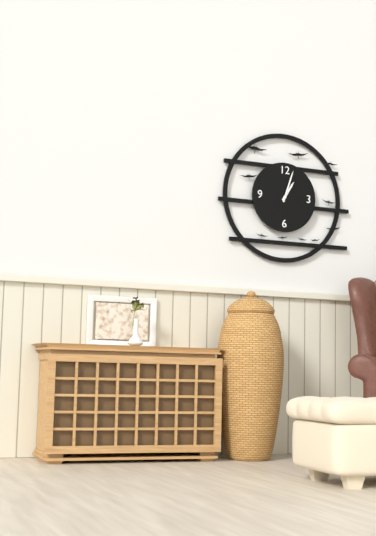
1:03
